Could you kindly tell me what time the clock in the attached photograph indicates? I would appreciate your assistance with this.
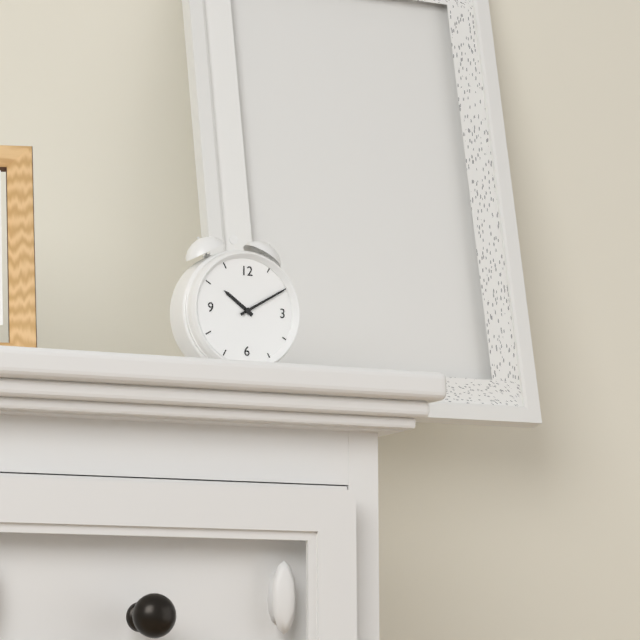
10:10
